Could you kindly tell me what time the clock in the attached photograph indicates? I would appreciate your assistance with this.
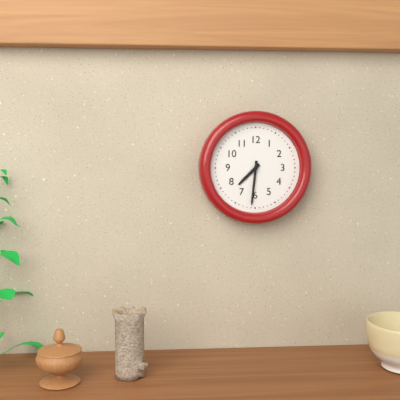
7:31
